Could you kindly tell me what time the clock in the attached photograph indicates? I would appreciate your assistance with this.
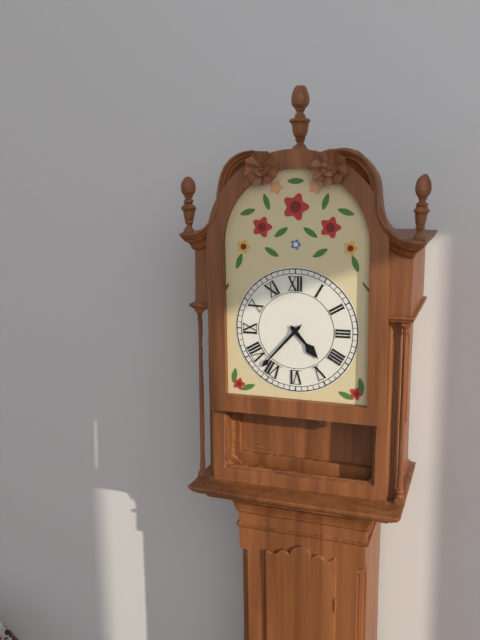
4:37
